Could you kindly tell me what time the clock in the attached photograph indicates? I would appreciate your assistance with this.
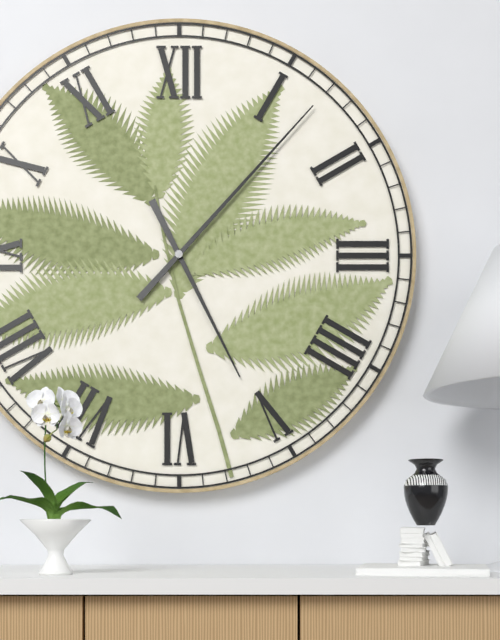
5:07
